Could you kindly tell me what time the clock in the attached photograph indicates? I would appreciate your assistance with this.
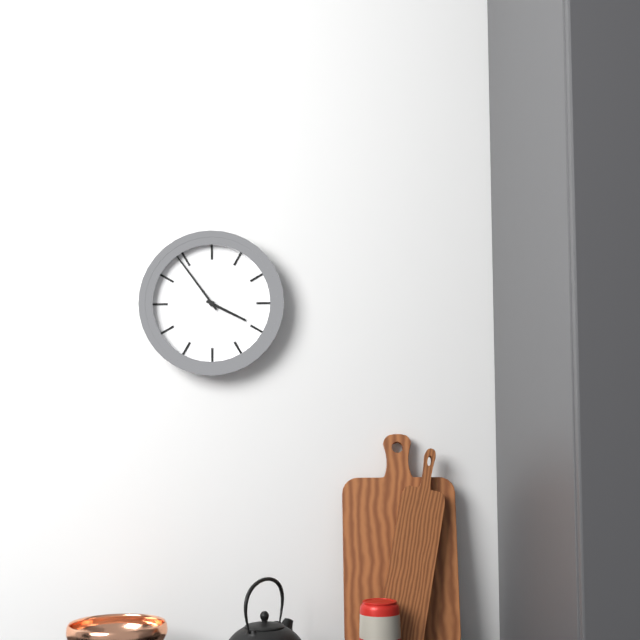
3:54
